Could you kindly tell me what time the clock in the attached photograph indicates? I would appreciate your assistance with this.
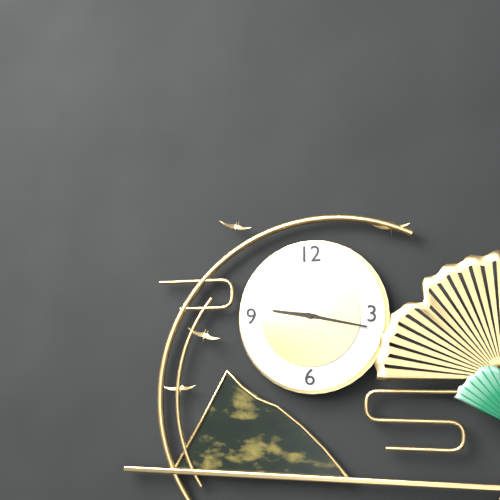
9:17
